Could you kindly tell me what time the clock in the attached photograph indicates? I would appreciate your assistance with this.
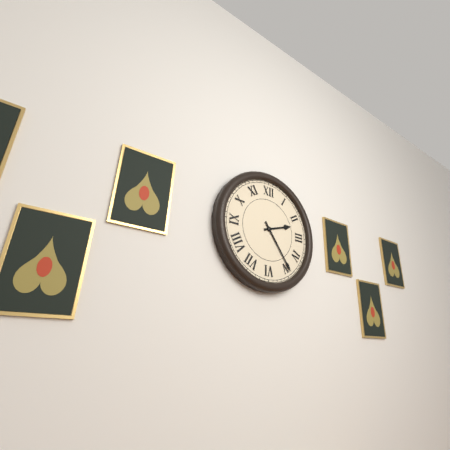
2:24
